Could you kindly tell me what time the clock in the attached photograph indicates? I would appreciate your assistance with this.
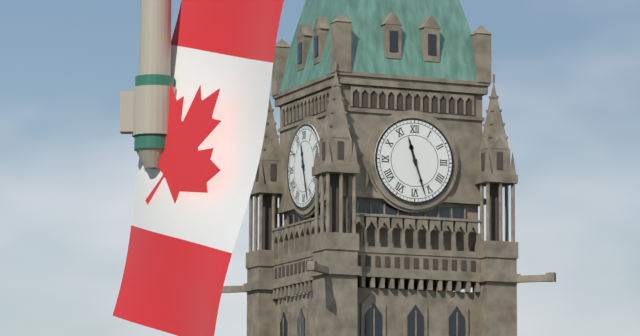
11:27
